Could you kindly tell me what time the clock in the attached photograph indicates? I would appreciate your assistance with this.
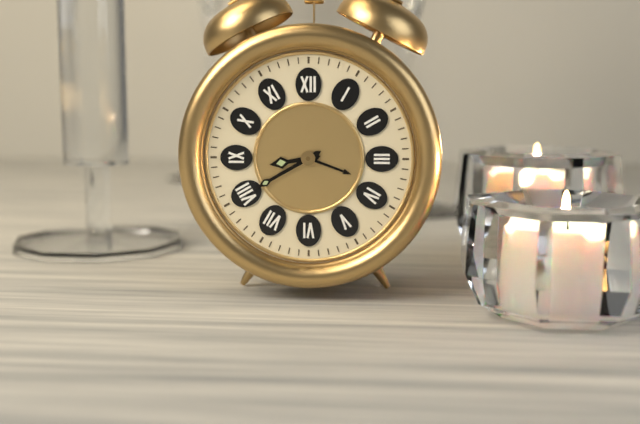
8:40
